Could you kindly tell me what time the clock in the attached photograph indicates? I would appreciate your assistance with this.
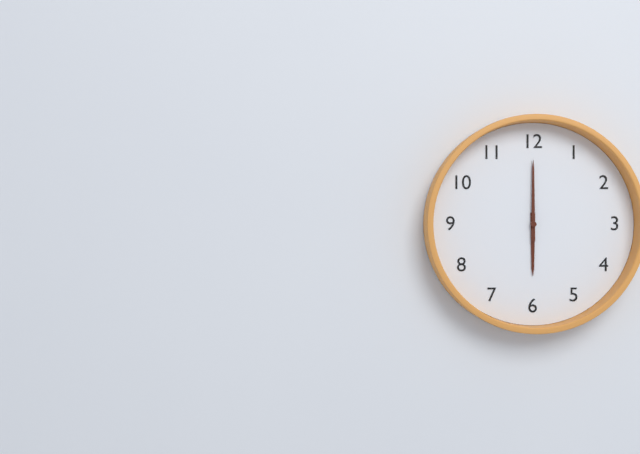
6:00
